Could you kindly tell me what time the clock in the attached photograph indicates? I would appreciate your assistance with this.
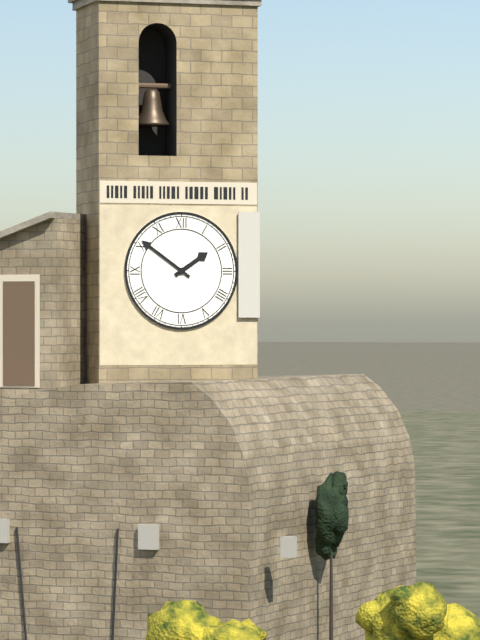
1:51
